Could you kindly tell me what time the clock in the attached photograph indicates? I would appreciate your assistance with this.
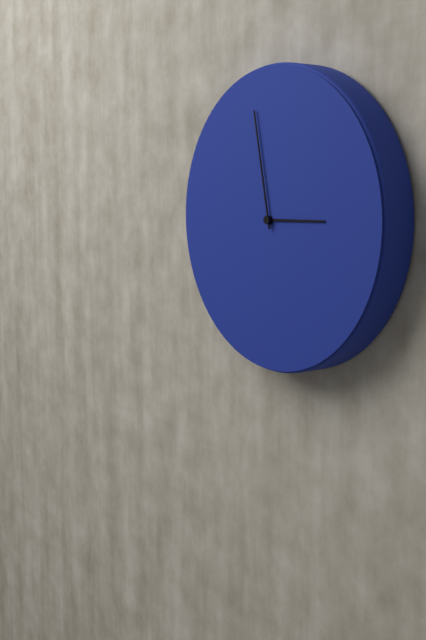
2:58
